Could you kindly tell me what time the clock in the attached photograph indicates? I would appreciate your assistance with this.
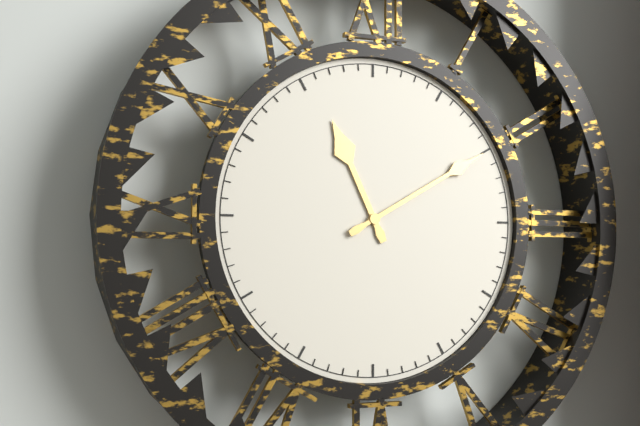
11:10
